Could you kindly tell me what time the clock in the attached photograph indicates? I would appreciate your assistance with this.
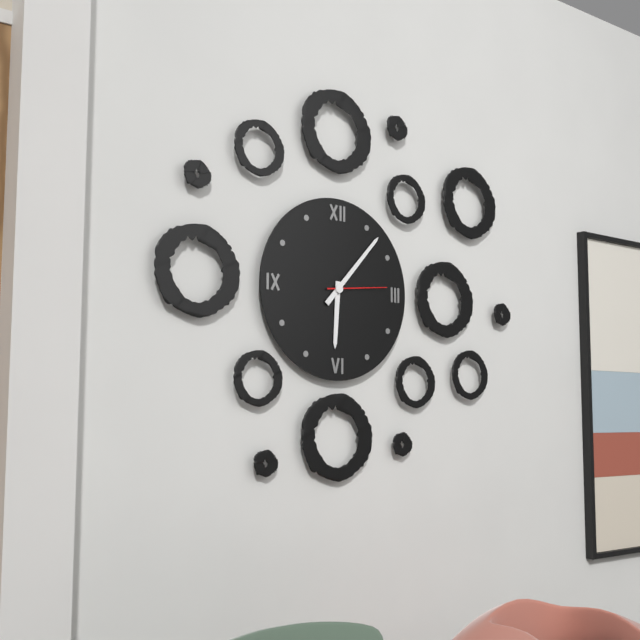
6:07:14
